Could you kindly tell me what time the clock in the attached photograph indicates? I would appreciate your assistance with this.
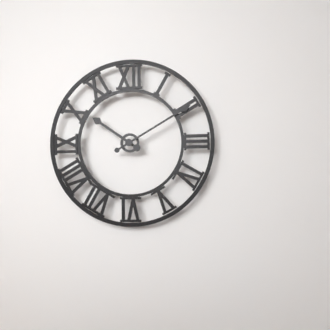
10:10
